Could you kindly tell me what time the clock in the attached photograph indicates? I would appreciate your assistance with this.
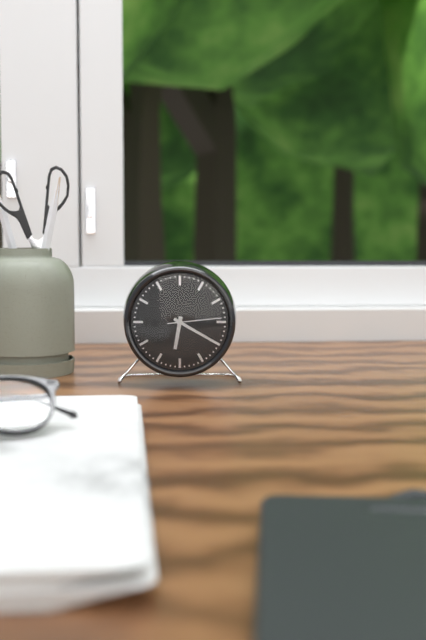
6:20:14
